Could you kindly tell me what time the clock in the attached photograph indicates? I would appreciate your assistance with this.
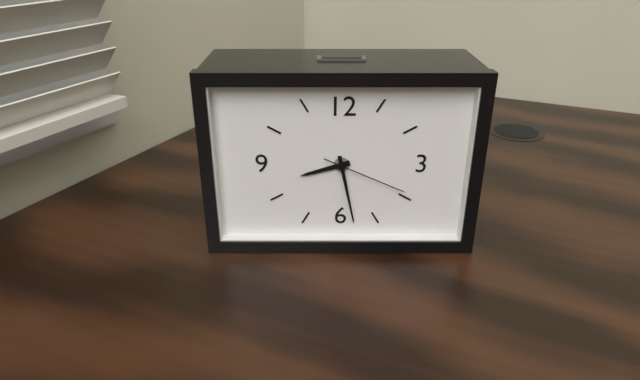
8:28:19
